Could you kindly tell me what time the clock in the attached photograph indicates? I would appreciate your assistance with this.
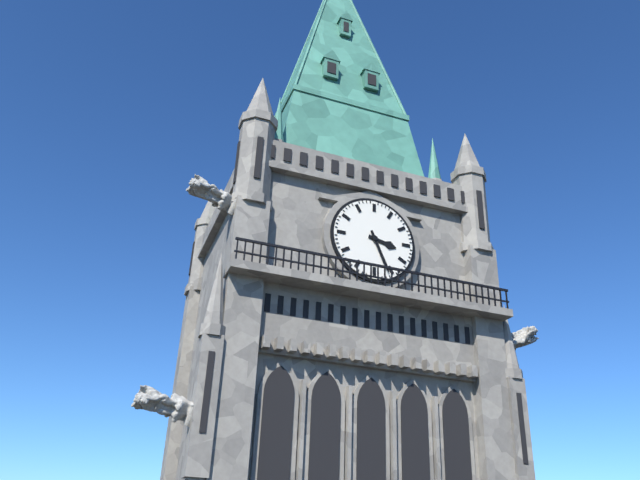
3:26
